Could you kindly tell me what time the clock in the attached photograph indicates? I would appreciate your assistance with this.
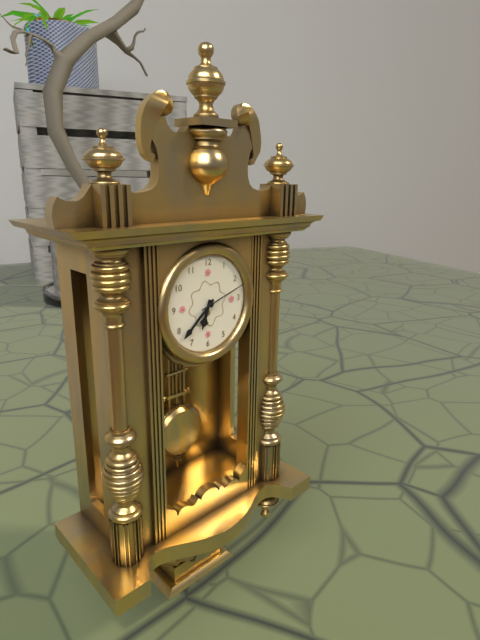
6:38:12
